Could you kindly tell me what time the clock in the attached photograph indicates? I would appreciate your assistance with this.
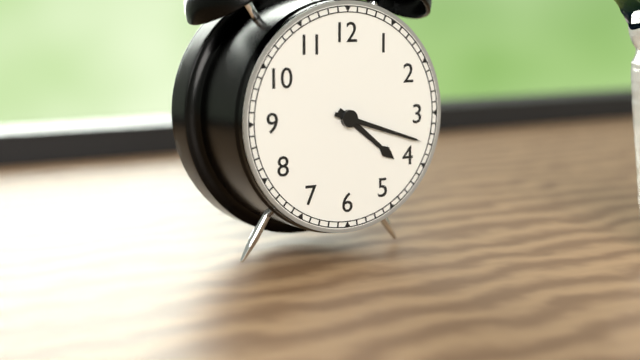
4:18
